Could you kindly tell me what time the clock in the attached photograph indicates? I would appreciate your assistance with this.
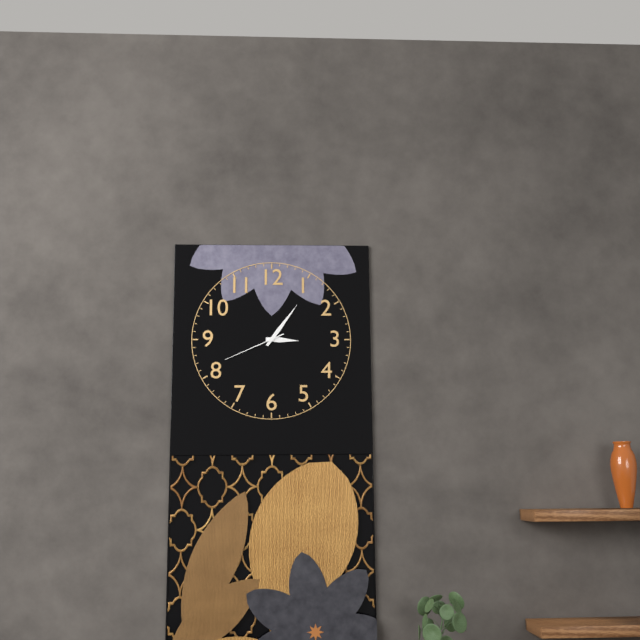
3:06:41
